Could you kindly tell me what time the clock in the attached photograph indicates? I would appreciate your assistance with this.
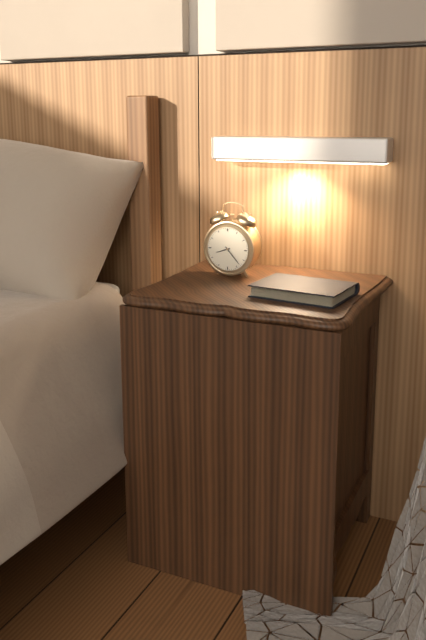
8:23
